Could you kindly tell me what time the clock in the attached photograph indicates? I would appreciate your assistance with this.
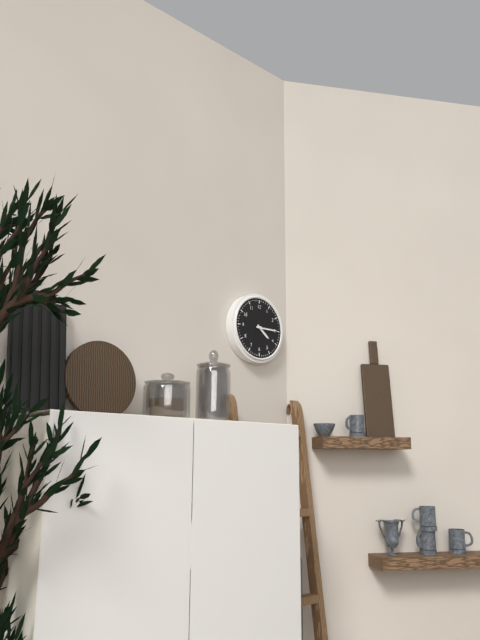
4:15
